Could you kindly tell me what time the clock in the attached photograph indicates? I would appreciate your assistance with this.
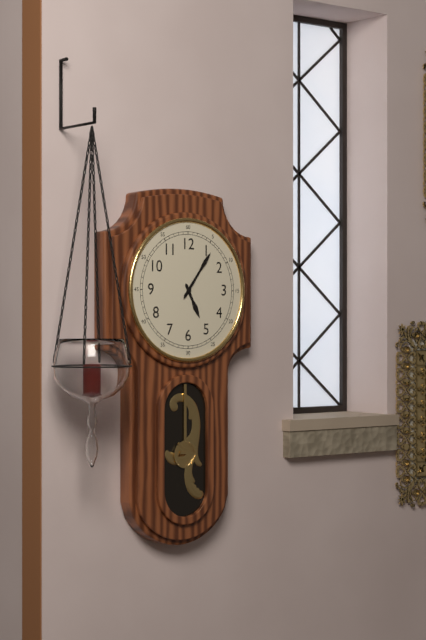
5:06
